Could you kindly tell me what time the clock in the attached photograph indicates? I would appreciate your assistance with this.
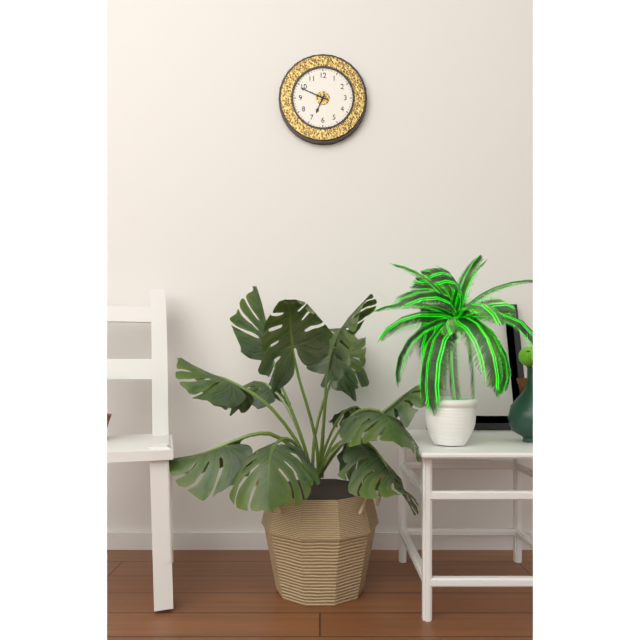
6:49
